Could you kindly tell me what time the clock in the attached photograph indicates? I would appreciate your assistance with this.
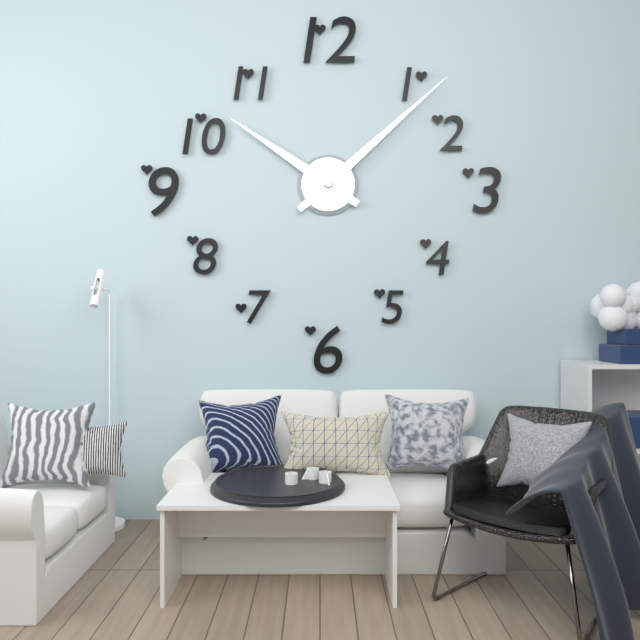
10:08
